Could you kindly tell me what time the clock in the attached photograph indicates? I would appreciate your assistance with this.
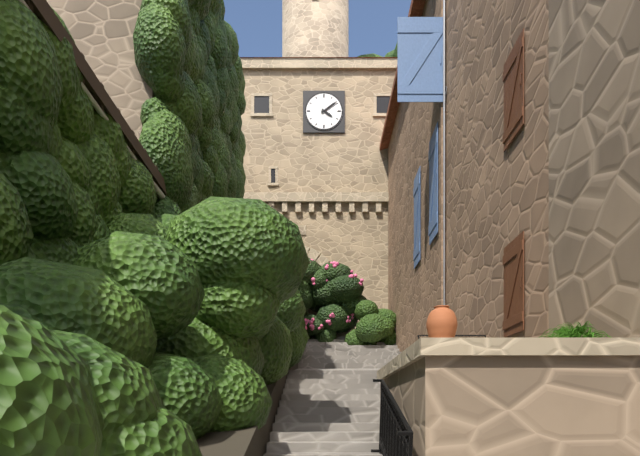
4:09
